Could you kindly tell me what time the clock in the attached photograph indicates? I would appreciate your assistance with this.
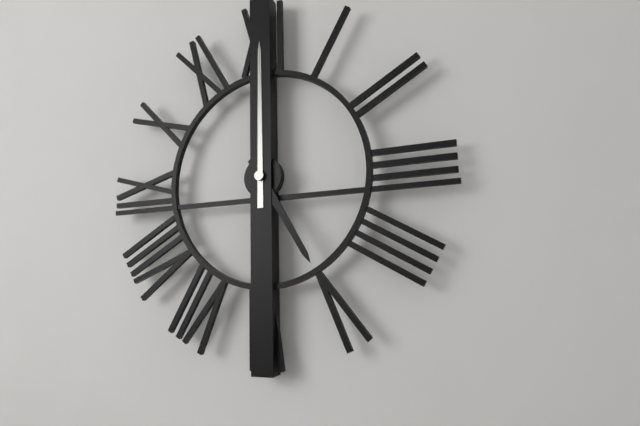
5:00
